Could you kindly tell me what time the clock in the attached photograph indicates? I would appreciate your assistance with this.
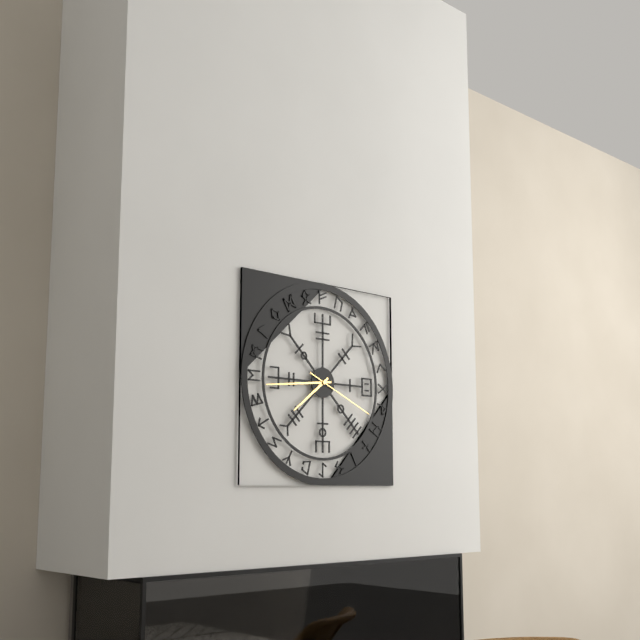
7:44:19
